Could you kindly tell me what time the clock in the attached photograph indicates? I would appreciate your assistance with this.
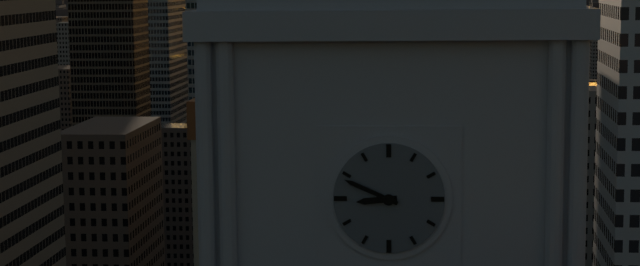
8:49
